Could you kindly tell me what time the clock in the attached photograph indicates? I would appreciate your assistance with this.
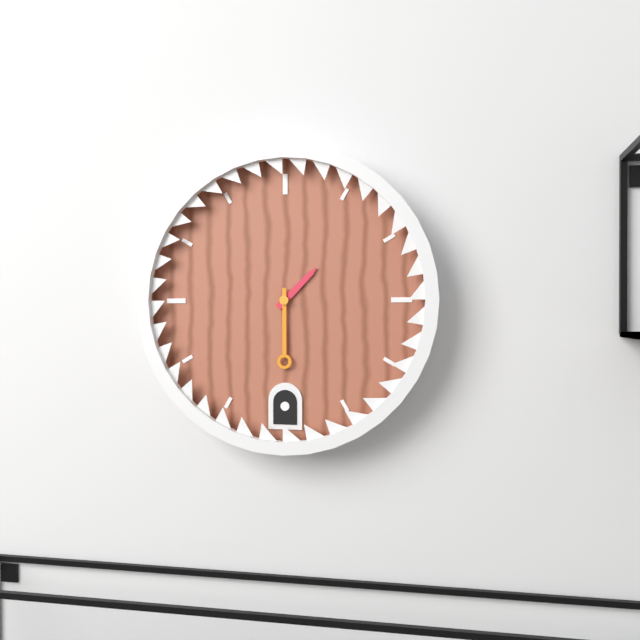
1:30
